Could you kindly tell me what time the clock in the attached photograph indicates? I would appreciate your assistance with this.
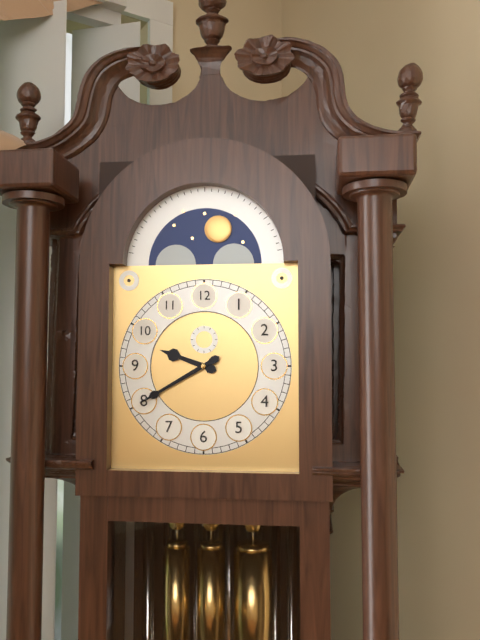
9:40
